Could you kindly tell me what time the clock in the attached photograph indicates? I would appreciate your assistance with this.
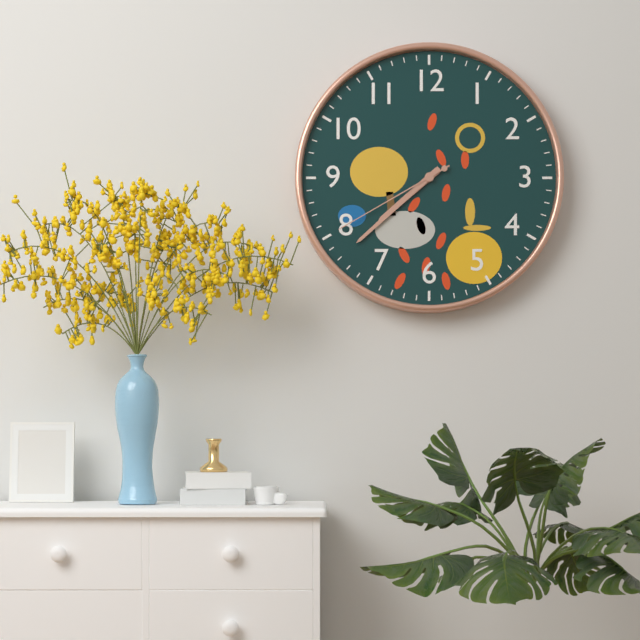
7:38:40
